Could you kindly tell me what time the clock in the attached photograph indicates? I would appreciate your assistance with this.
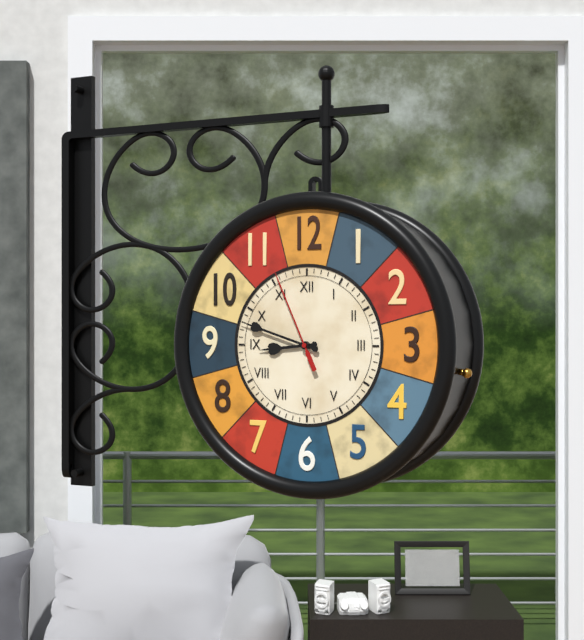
8:48:56
